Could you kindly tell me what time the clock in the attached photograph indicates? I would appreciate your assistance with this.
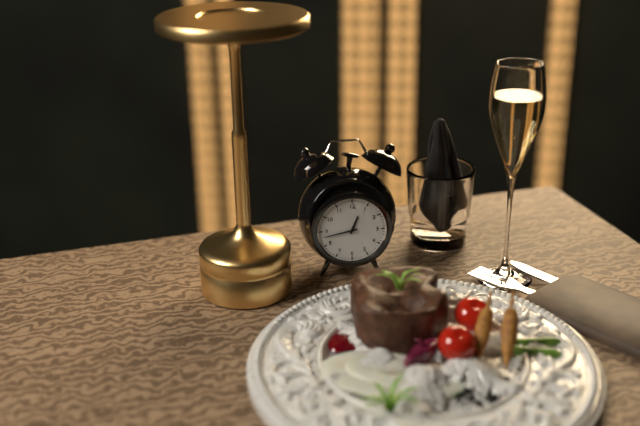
12:43
